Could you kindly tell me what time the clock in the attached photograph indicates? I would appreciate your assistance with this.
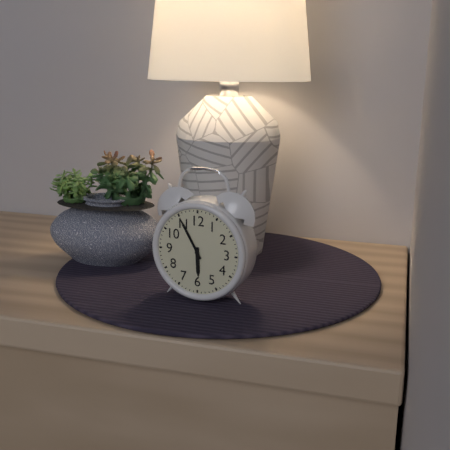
5:55
